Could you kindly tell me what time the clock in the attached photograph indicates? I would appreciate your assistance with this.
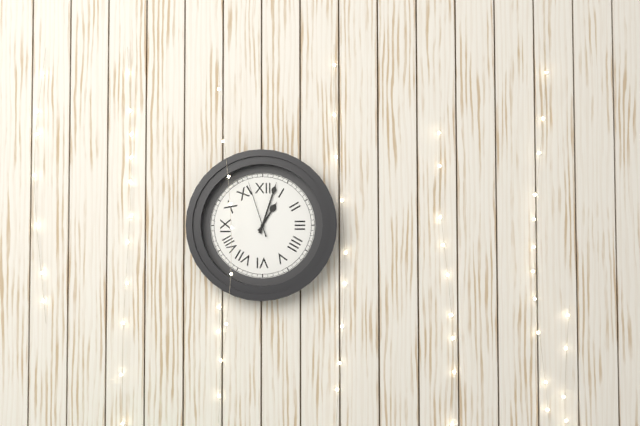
1:03:57
